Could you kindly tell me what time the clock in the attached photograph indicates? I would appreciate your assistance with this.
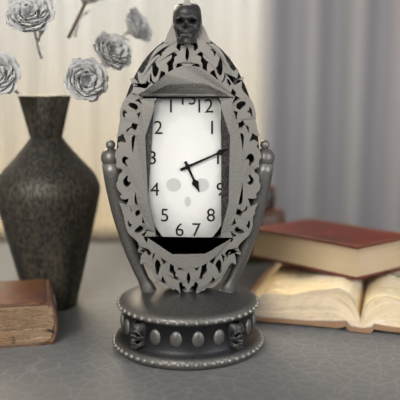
5:11
